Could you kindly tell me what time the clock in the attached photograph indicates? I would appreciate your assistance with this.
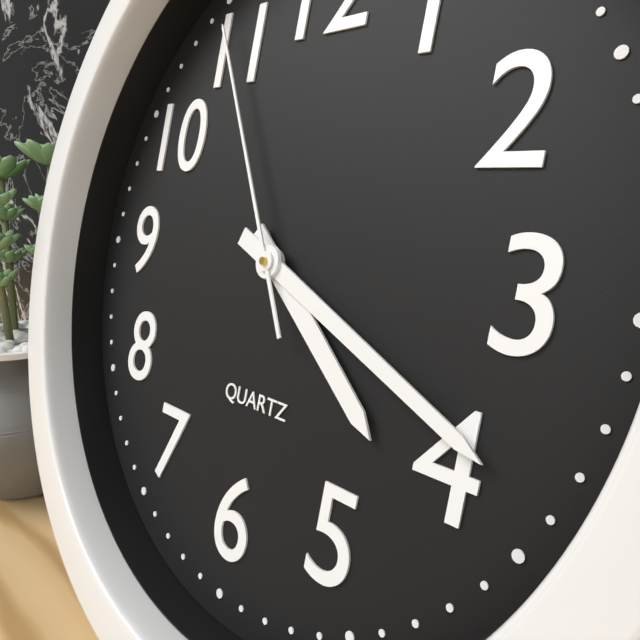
4:19:55
